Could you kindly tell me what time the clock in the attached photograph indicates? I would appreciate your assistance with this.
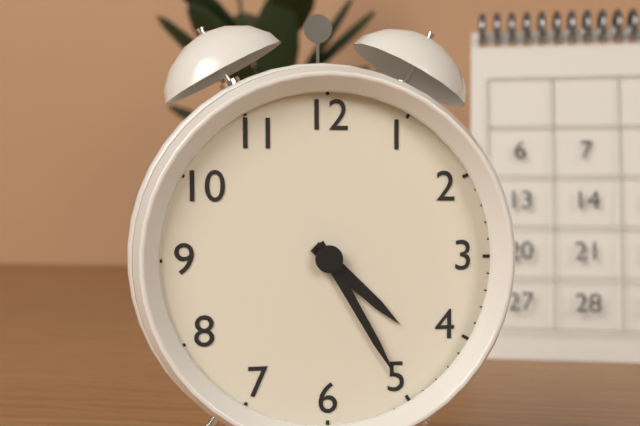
4:25
